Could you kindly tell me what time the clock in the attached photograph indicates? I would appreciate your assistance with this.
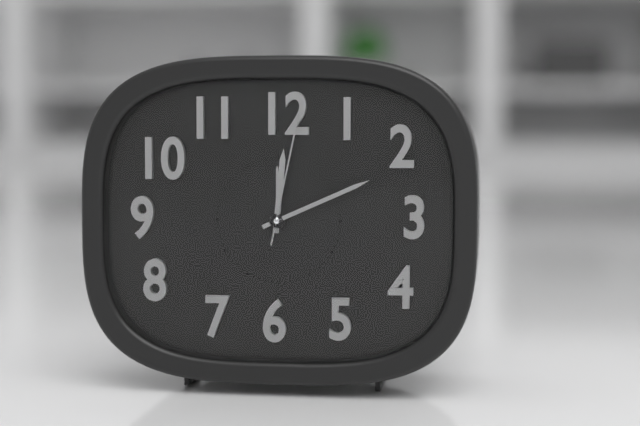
12:11:02
